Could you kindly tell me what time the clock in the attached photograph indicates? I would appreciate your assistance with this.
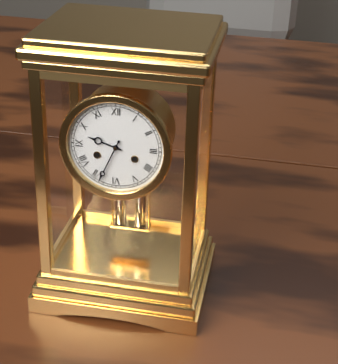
9:34
